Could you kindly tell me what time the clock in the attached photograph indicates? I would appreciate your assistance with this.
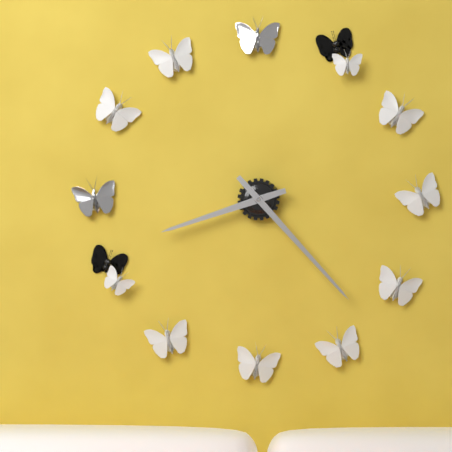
8:23
